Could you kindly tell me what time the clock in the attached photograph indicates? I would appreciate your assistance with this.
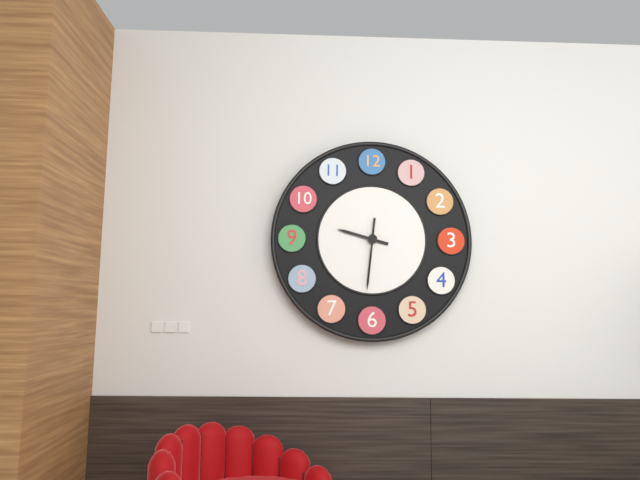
9:31
